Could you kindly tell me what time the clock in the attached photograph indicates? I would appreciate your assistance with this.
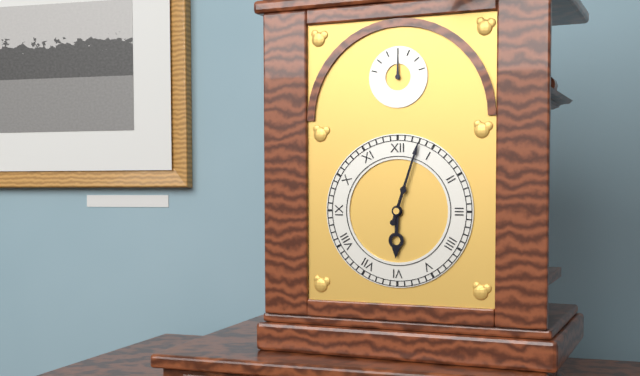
6:03
